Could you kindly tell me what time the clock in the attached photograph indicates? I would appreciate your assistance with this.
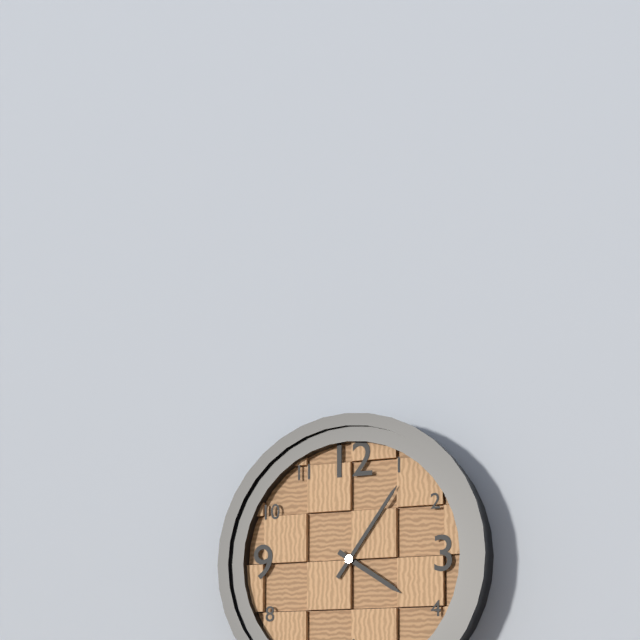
4:06
